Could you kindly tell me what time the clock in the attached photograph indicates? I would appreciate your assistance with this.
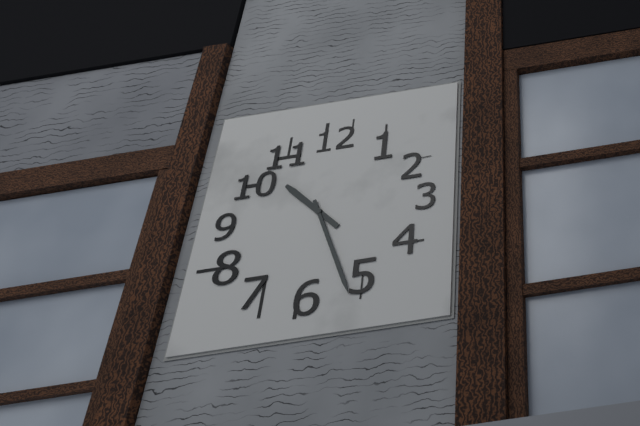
10:26
